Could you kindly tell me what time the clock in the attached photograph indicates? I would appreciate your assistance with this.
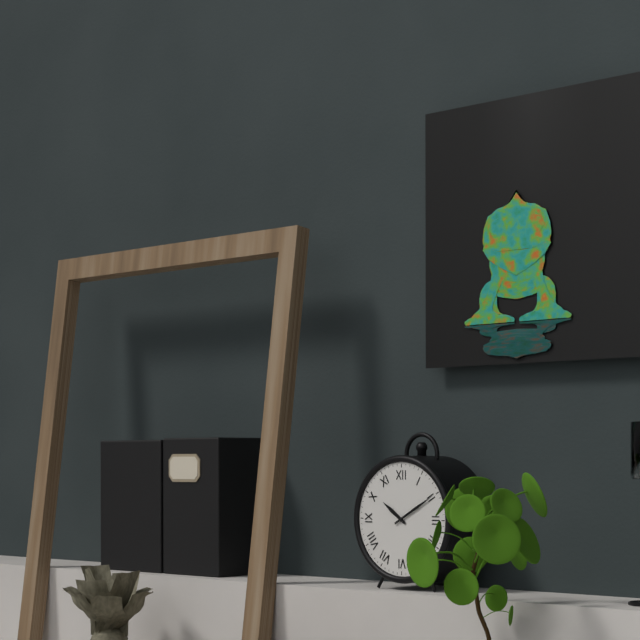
10:10
